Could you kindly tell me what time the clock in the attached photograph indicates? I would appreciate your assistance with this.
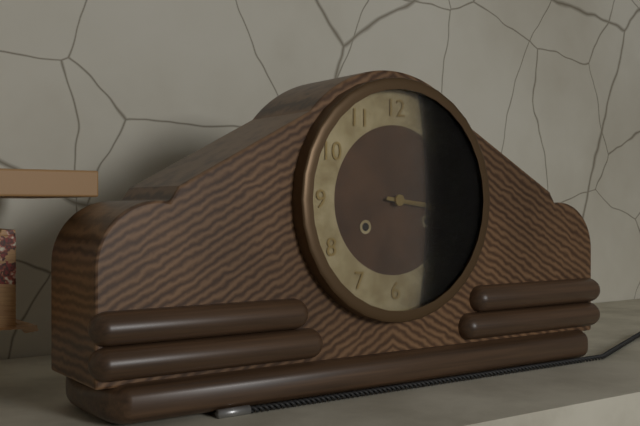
3:16
